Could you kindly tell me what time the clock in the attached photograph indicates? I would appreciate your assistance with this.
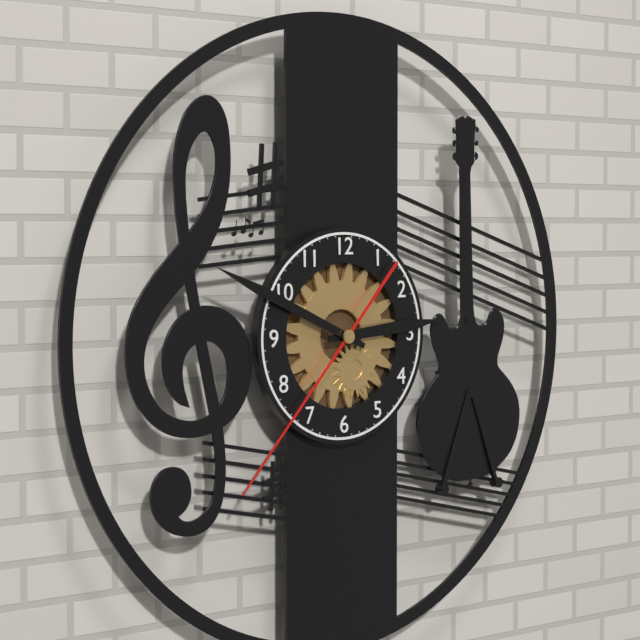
2:49:37
